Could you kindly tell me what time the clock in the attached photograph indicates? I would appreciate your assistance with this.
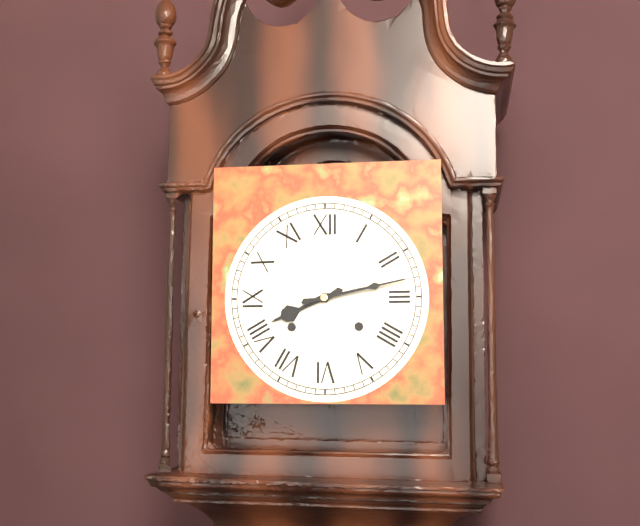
8:13
